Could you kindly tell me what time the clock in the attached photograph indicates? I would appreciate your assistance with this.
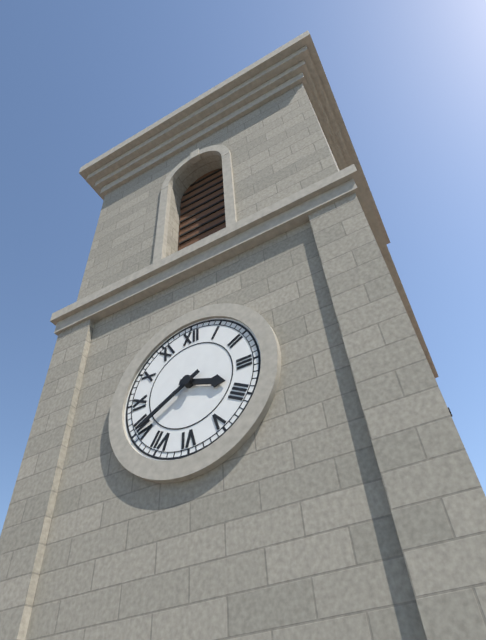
3:40
